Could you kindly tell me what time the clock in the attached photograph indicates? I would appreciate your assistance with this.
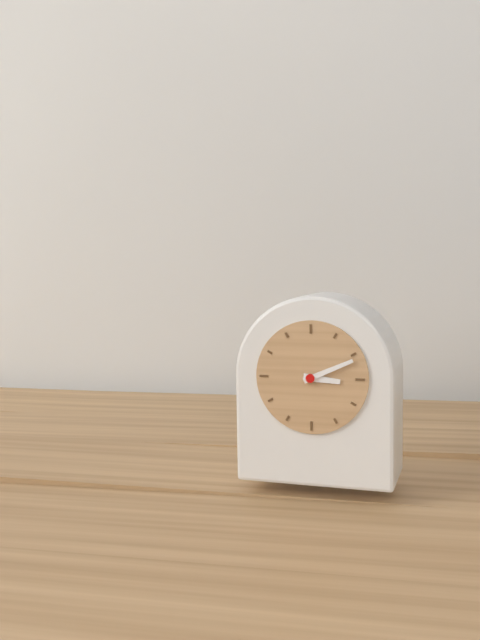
3:11
